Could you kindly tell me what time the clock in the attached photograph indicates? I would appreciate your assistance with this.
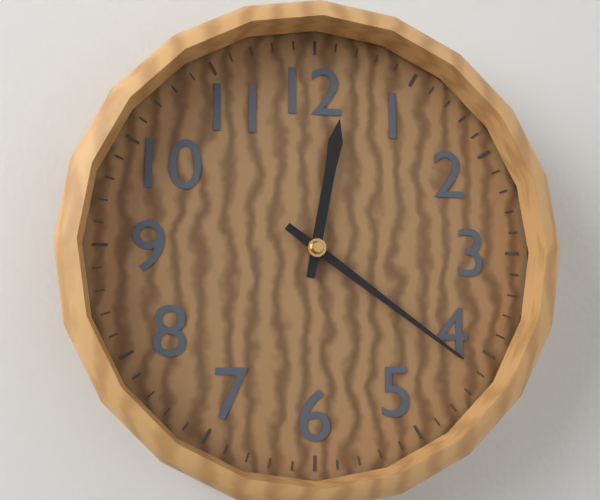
12:21
